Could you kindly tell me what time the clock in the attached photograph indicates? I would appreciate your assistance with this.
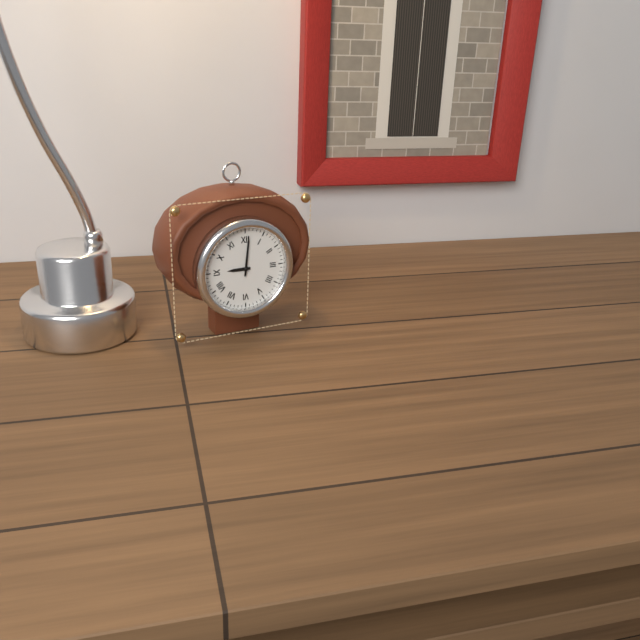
9:01
